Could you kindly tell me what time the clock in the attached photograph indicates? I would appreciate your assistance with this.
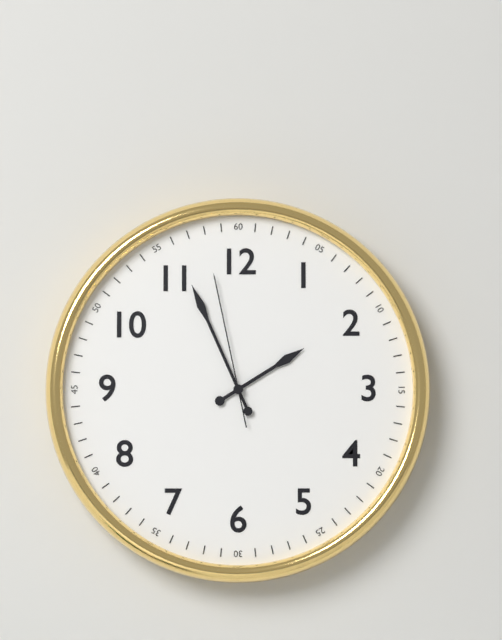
1:56:58
